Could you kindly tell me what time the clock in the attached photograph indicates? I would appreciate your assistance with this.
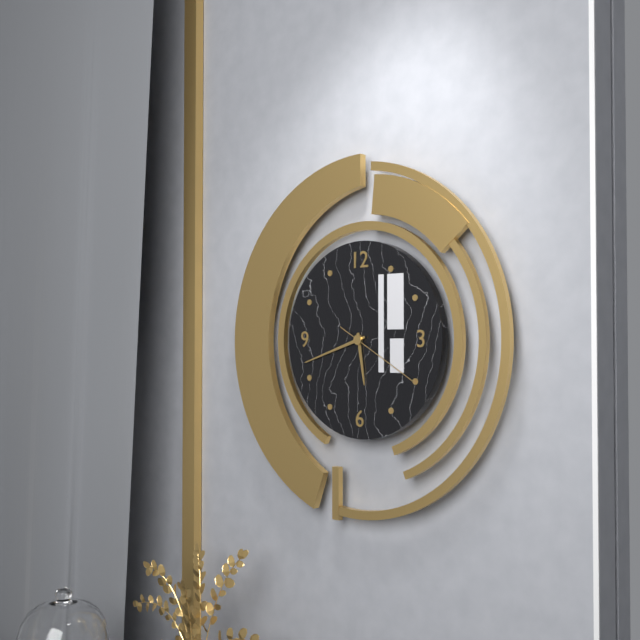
5:42:20
